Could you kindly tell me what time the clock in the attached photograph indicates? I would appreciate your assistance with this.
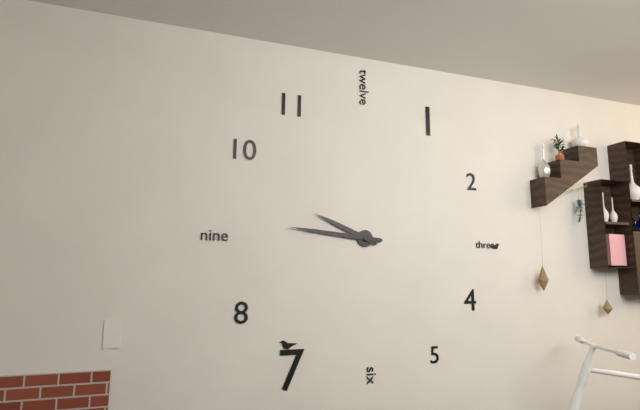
9:46
